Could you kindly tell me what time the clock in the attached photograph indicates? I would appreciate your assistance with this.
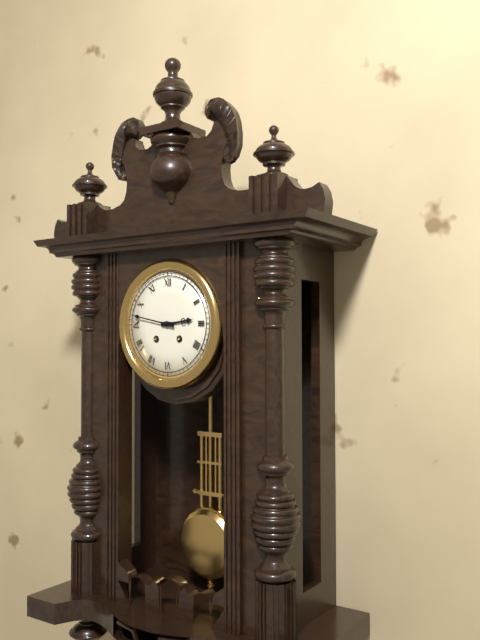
2:47
